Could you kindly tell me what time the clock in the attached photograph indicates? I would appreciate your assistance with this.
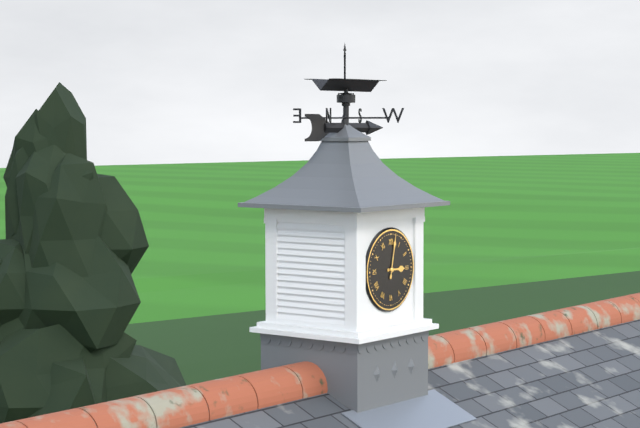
3:02
